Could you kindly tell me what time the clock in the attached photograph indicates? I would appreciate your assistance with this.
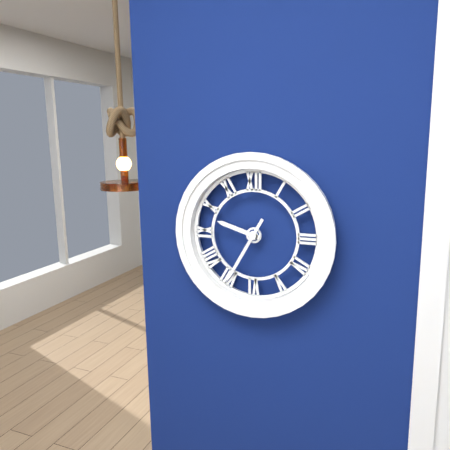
9:35
